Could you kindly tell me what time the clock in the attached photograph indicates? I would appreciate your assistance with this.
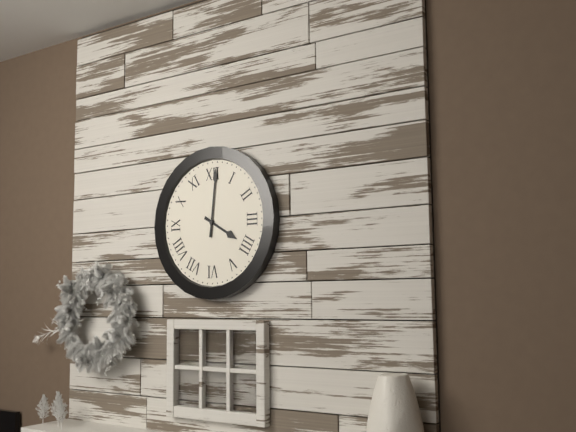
4:01
